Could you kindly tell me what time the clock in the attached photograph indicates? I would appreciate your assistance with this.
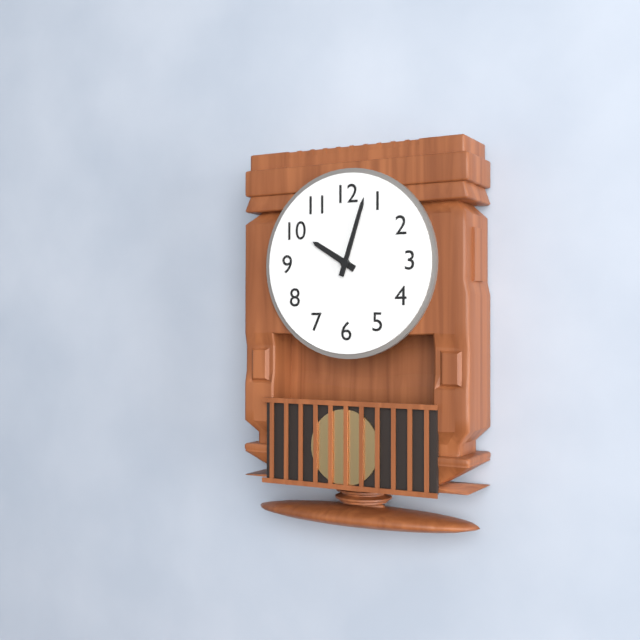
10:03
